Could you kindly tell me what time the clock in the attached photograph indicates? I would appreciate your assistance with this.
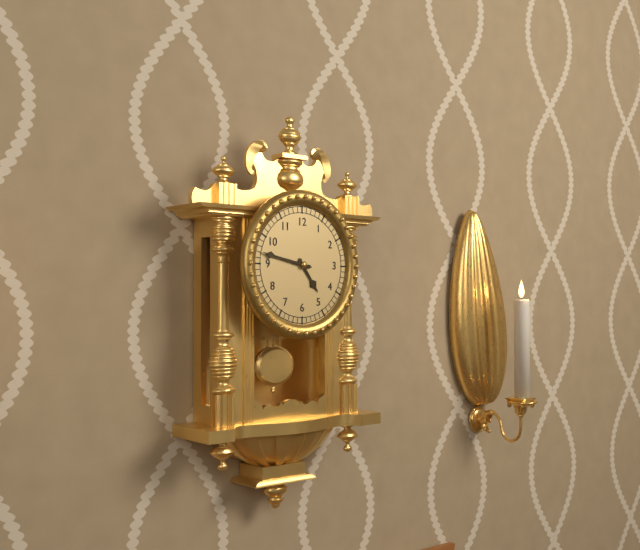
4:47
